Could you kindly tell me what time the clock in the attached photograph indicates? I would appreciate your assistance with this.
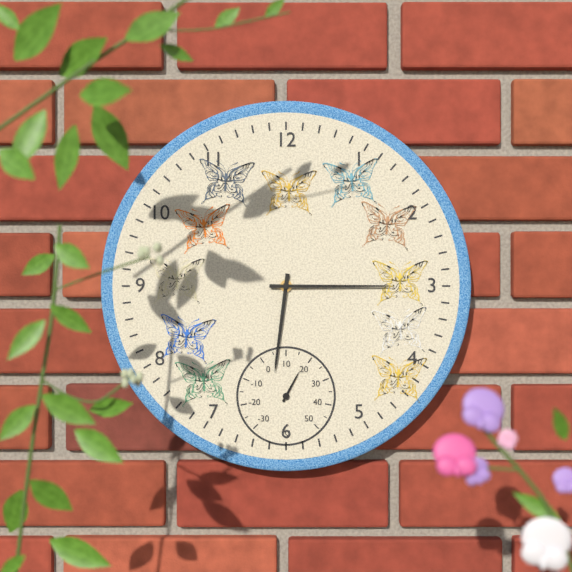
6:15
